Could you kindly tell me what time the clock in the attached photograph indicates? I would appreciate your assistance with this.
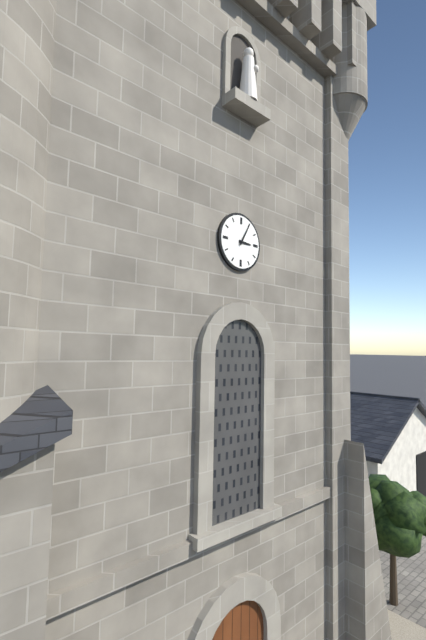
3:05
